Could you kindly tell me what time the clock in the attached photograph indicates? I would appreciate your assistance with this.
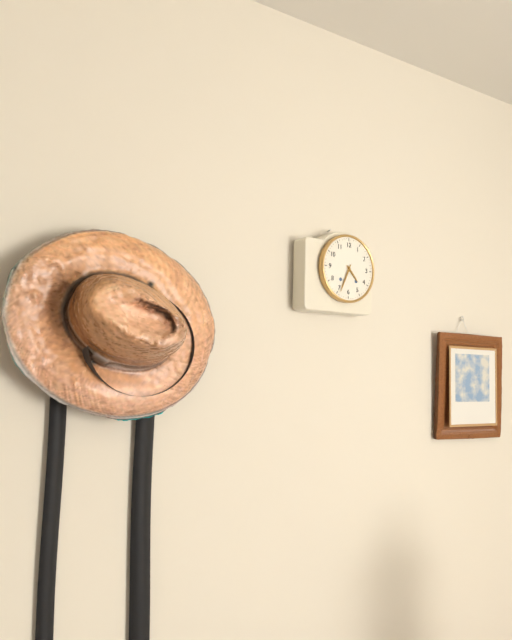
4:34
